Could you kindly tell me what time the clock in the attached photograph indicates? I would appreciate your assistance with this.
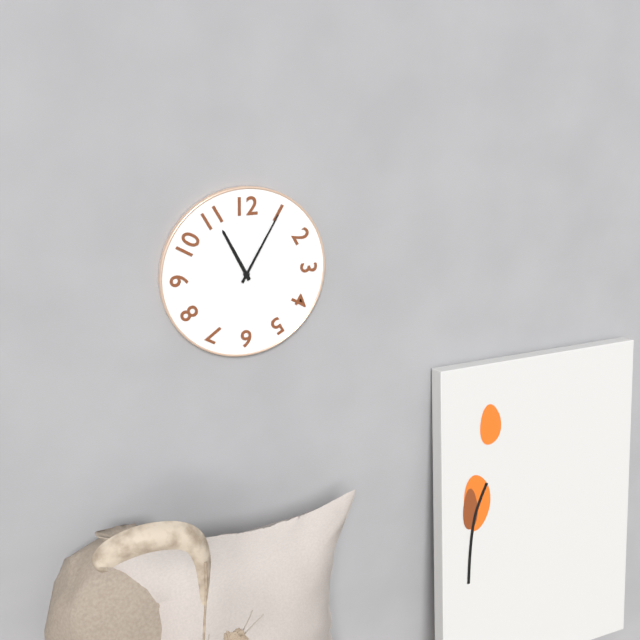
11:05
